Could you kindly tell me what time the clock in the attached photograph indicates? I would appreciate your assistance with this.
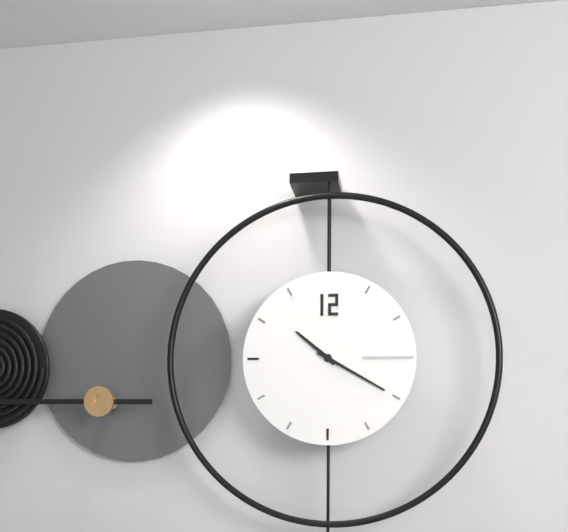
10:20
